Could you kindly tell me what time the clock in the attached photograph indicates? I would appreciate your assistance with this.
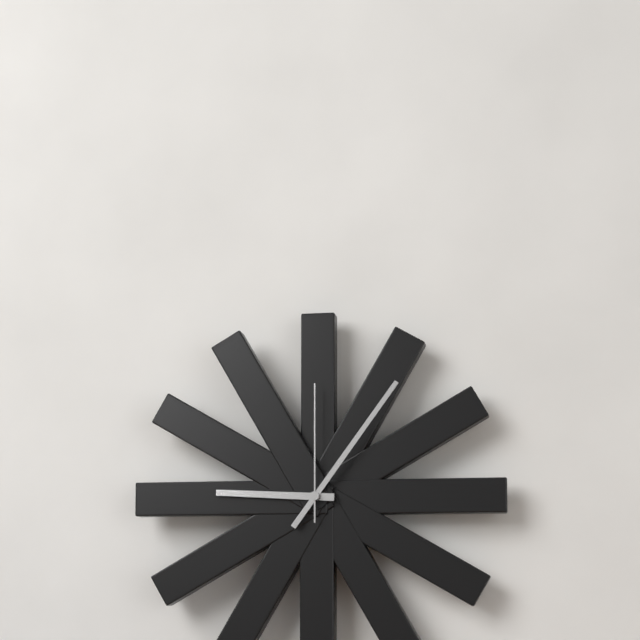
9:06:00
